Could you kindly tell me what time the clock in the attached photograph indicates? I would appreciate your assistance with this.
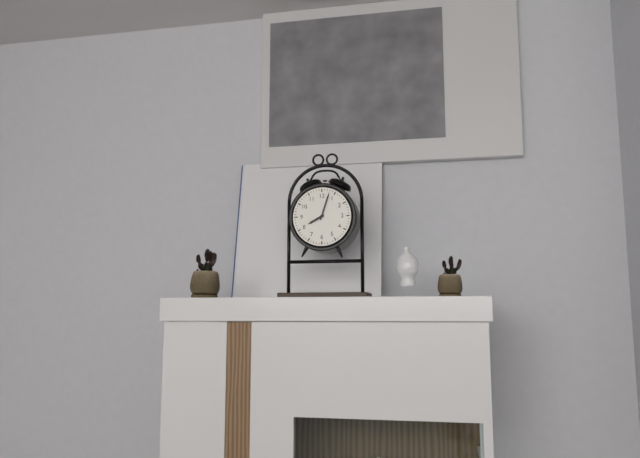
8:03
